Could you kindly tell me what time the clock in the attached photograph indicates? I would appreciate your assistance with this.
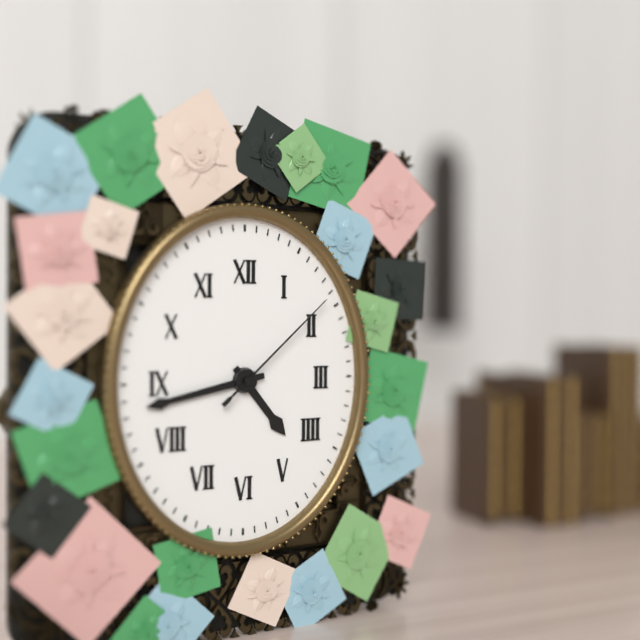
4:43:08
